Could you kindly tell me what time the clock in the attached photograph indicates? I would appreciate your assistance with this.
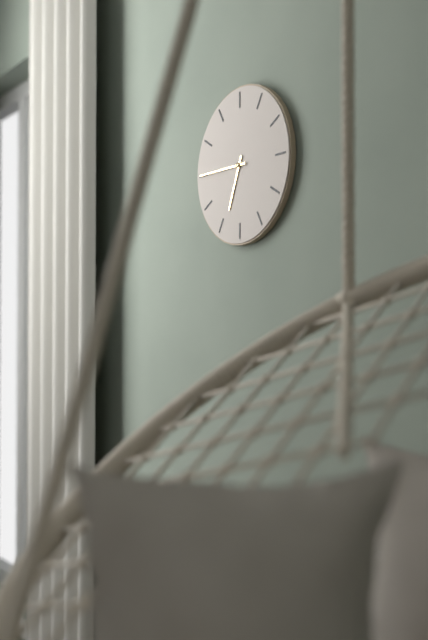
6:45
